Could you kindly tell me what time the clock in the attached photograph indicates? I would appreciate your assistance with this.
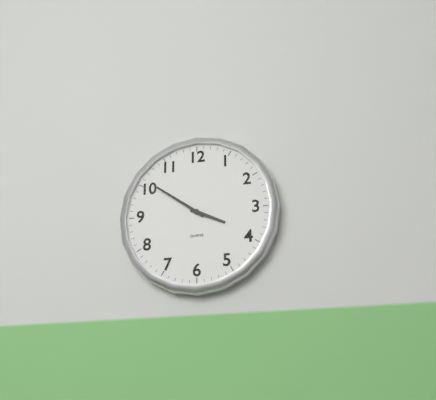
3:51
